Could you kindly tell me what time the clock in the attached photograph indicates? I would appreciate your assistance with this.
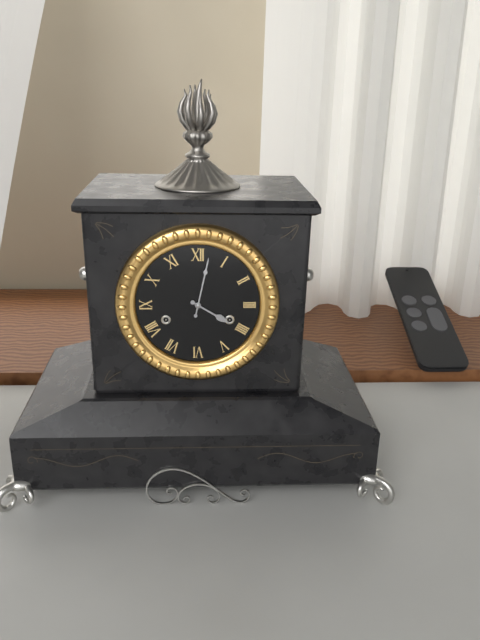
4:02
